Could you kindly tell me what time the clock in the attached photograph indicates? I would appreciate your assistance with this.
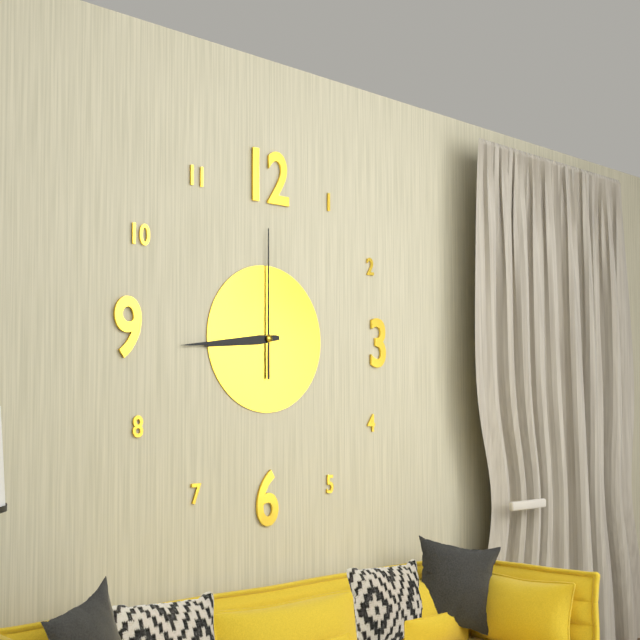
8:44:00
